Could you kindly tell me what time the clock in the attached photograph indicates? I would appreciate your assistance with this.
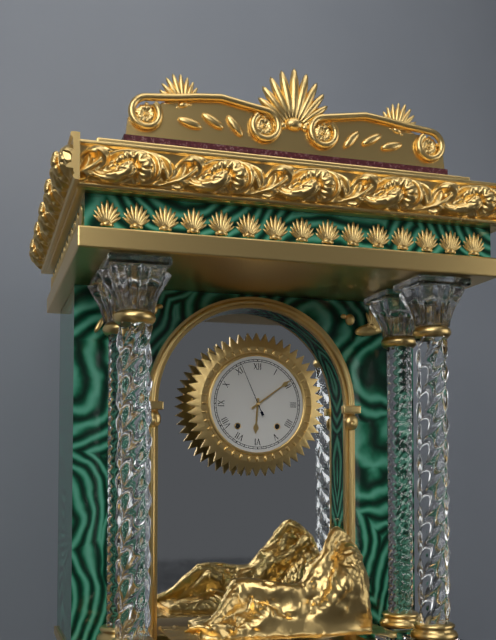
6:09:56
